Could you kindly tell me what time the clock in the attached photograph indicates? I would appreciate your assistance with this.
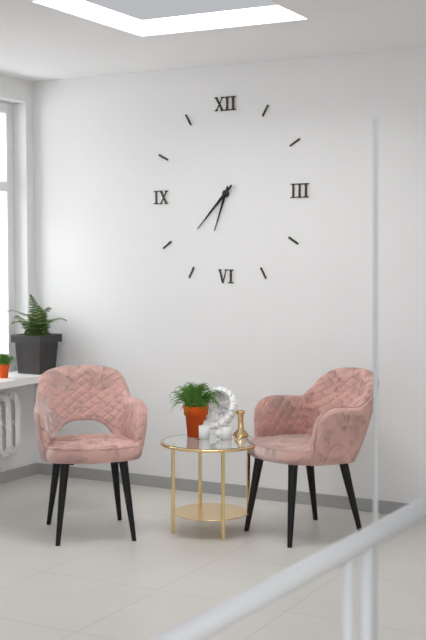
6:37
